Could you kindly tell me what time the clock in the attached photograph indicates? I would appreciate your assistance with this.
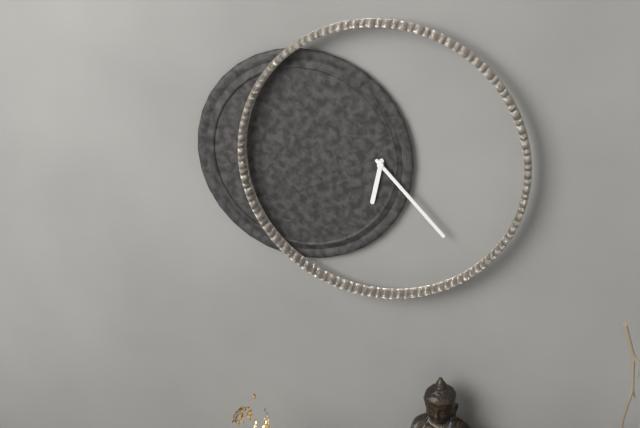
6:23
